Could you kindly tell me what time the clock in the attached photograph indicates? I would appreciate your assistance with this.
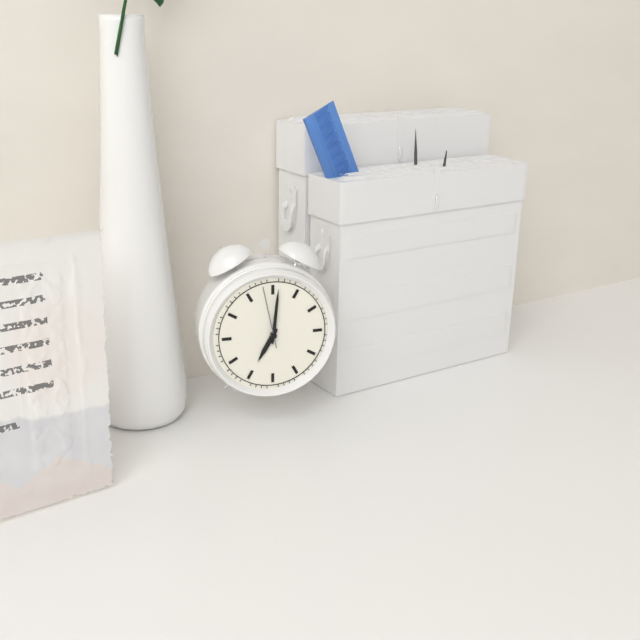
7:01:58
